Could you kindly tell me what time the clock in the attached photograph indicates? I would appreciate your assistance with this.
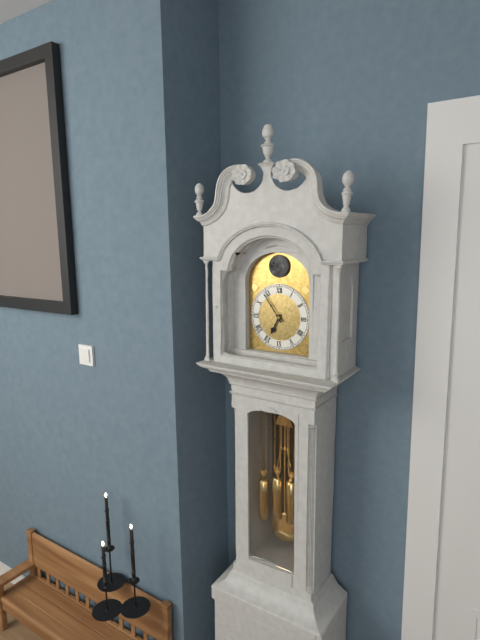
6:54
